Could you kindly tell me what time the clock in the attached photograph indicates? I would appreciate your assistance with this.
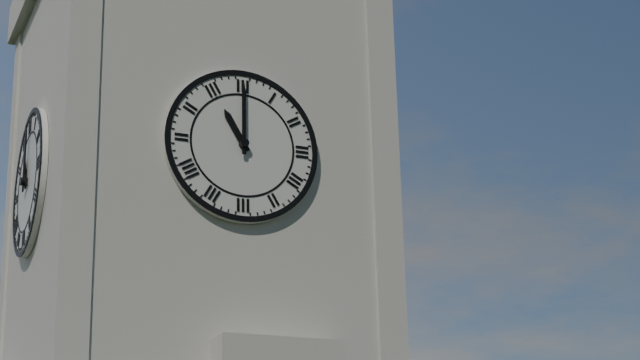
11:00
